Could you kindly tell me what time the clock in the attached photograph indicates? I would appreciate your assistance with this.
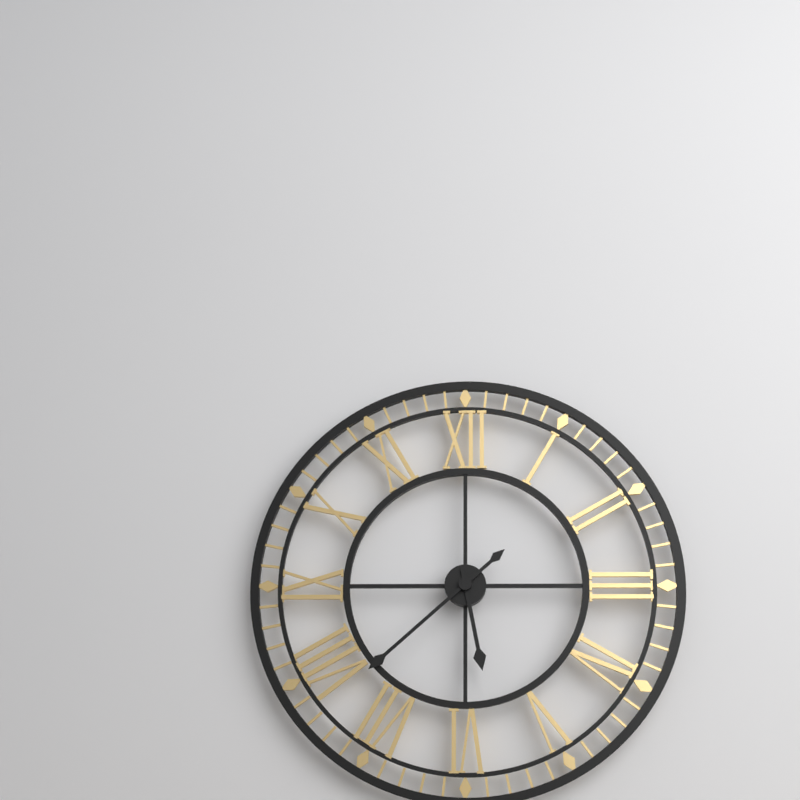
5:38
